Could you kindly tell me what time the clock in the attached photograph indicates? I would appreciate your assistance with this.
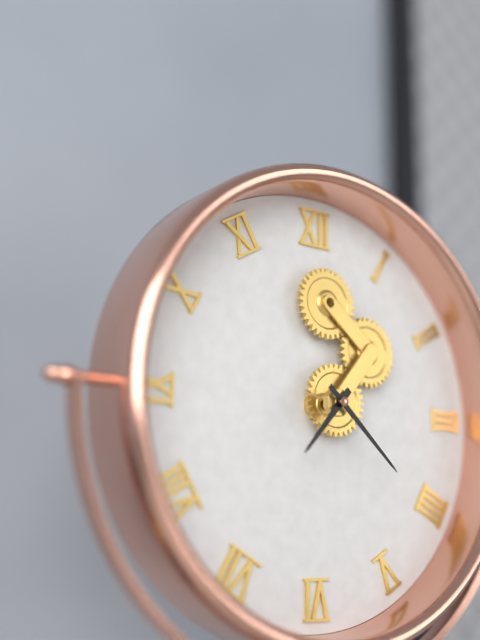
7:22
